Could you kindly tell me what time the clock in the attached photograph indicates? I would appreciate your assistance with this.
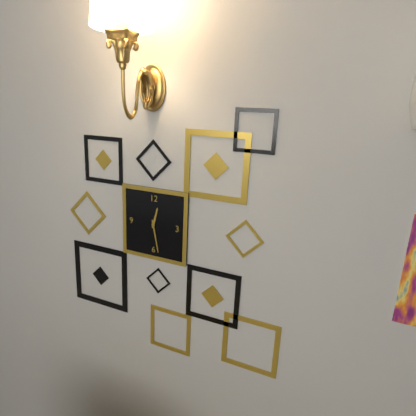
12:28
